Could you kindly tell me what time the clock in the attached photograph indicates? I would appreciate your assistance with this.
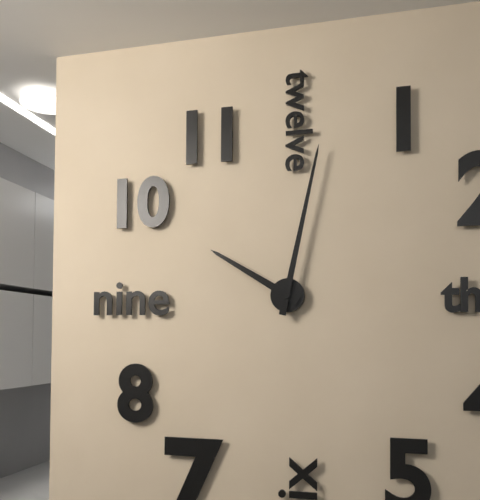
10:02
